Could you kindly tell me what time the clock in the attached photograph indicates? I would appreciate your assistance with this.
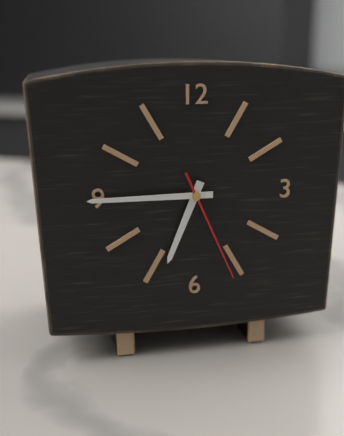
6:45:26
